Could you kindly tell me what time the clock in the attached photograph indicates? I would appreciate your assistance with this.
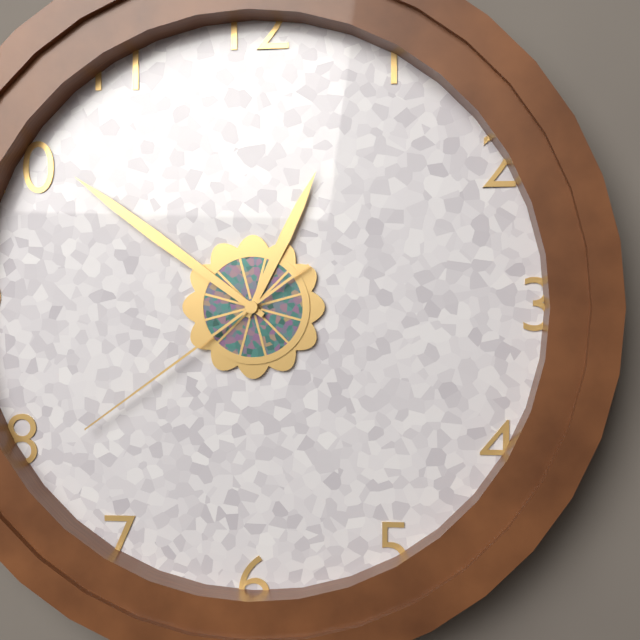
12:51:39
